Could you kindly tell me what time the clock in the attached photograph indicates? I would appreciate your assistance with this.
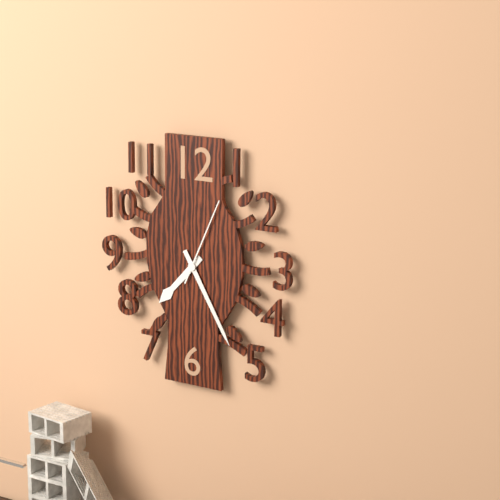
7:25:04
